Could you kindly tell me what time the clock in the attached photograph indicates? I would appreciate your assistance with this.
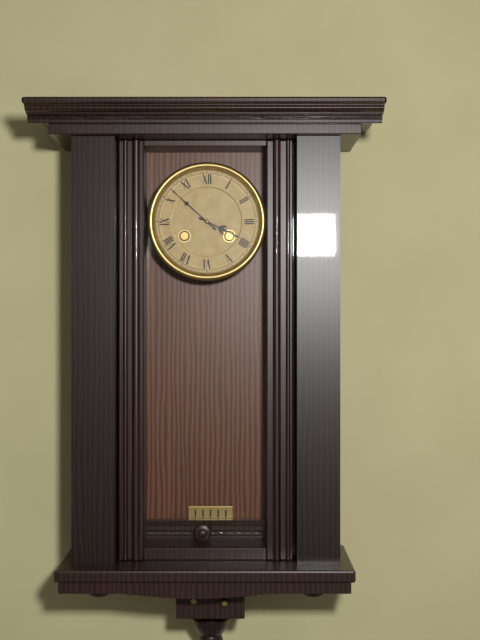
3:52
